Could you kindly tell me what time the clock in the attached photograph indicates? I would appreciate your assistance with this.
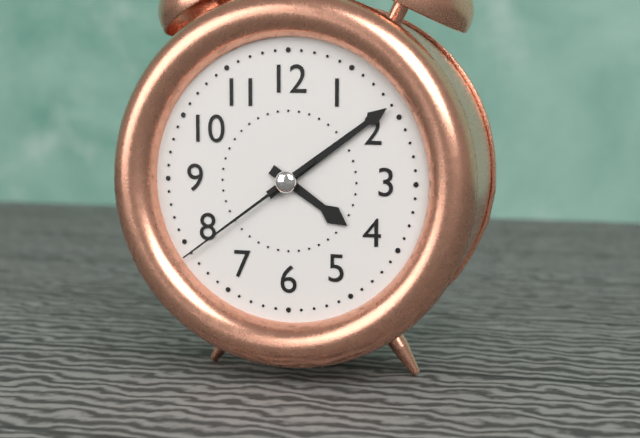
4:09:39
